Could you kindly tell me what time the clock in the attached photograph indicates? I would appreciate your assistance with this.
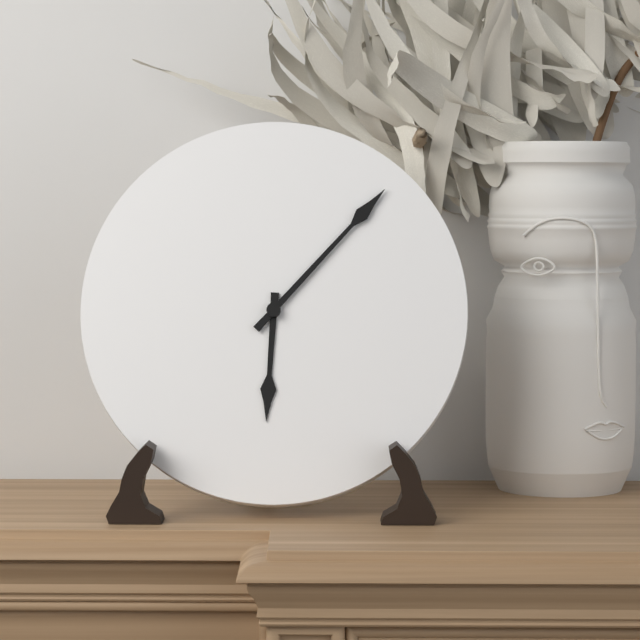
6:07
